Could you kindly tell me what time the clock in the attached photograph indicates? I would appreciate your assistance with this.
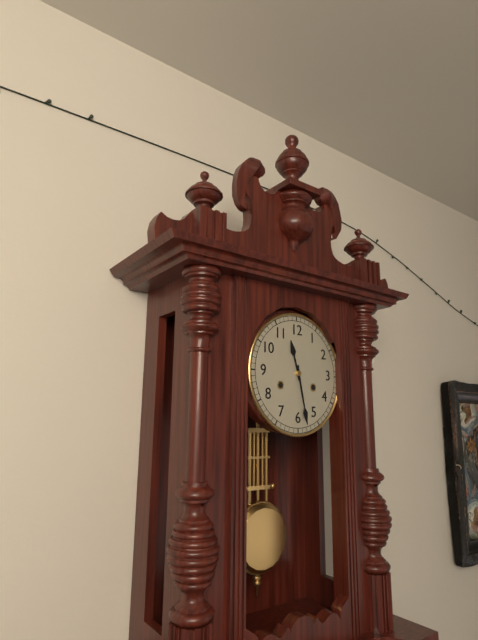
11:28
